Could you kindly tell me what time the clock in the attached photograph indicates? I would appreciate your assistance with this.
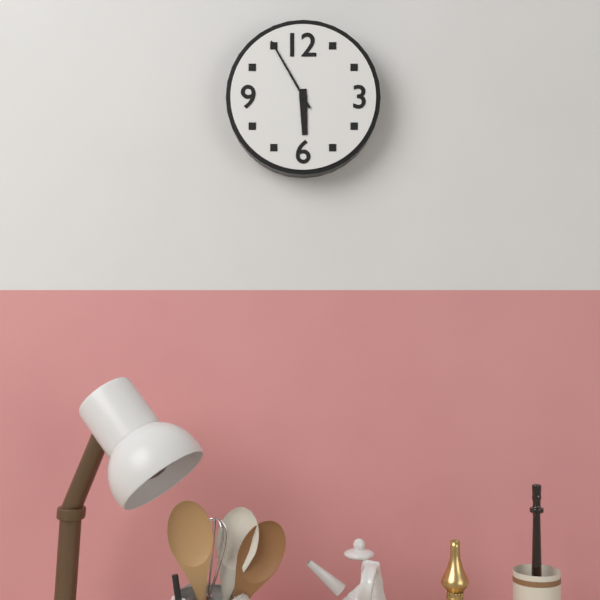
5:55
